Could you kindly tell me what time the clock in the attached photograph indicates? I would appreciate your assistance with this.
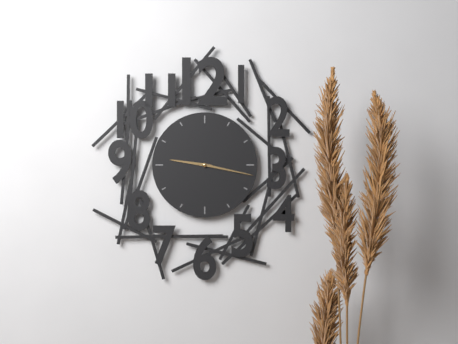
9:17
